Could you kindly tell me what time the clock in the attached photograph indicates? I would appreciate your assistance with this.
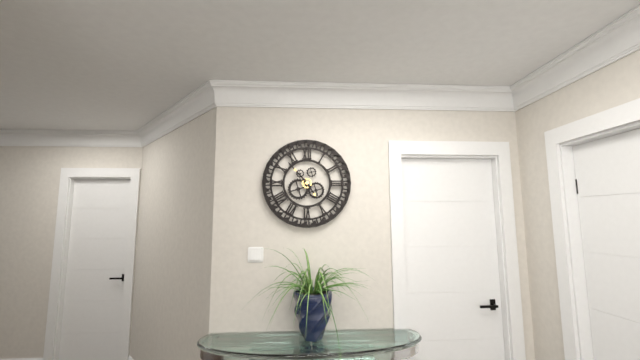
4:53
